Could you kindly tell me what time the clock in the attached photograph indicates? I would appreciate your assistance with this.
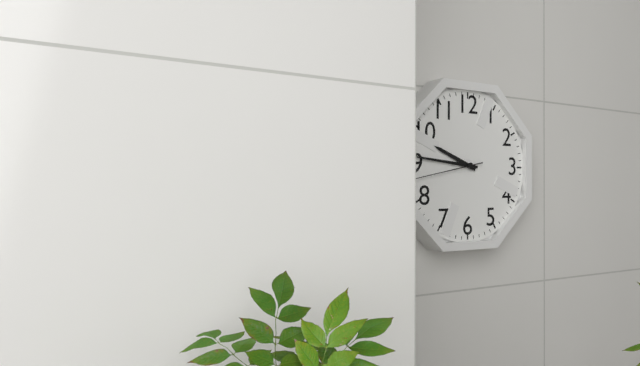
9:46:43
